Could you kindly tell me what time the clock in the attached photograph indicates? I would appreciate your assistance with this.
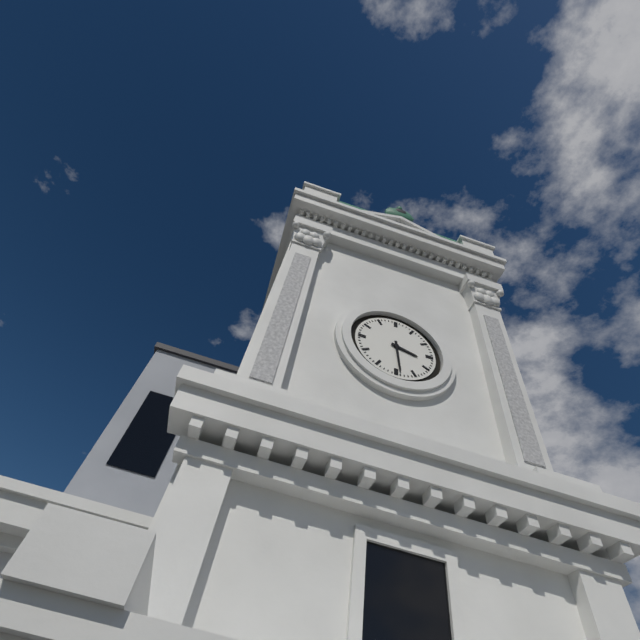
3:29
